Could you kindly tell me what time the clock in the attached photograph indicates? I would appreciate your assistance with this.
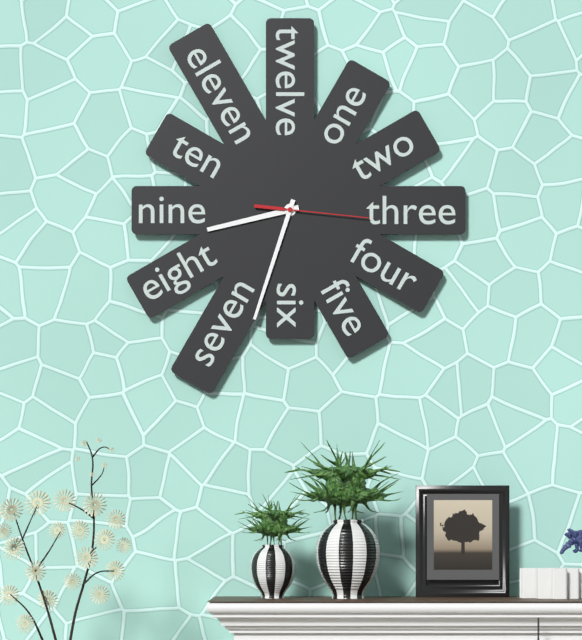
8:33:16
